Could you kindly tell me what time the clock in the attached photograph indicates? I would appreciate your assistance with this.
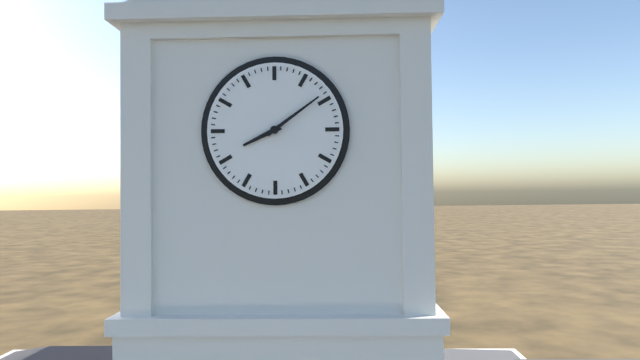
8:09
